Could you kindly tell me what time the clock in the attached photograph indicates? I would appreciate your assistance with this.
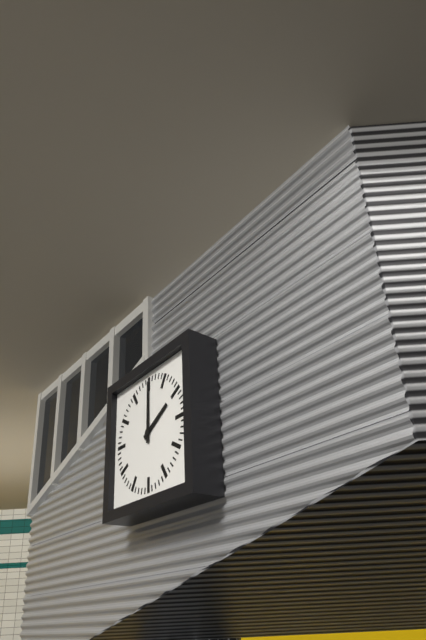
2:00
